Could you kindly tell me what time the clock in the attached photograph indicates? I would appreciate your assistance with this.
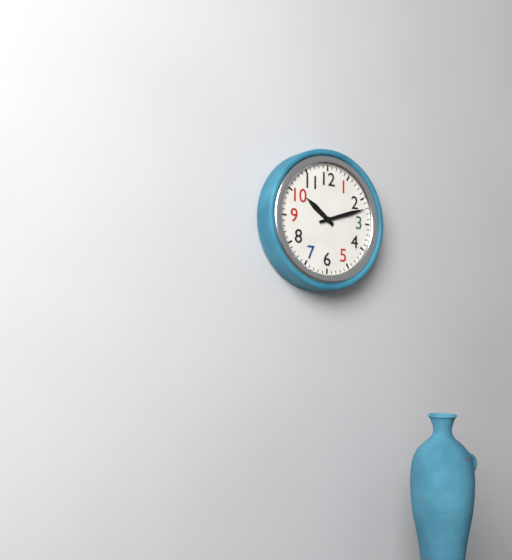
10:12
